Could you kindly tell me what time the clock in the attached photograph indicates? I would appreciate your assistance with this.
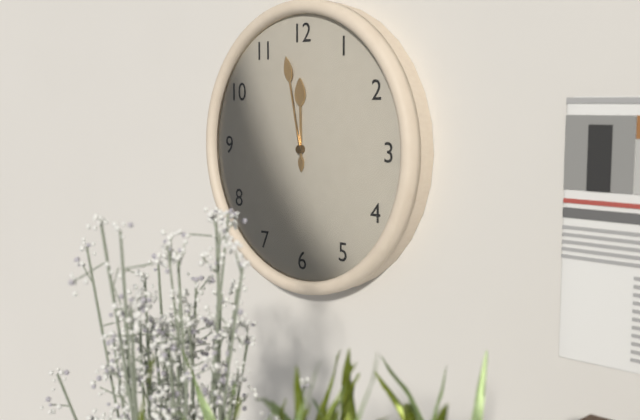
11:58
